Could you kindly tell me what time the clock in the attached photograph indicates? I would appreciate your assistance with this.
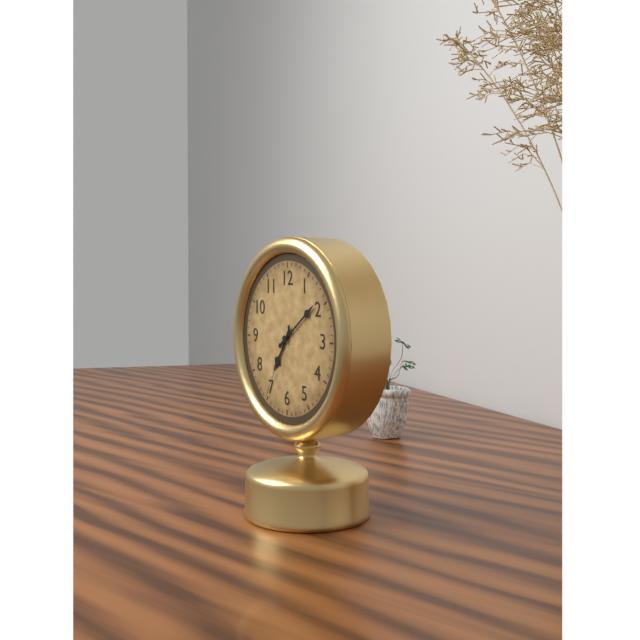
7:09:35
